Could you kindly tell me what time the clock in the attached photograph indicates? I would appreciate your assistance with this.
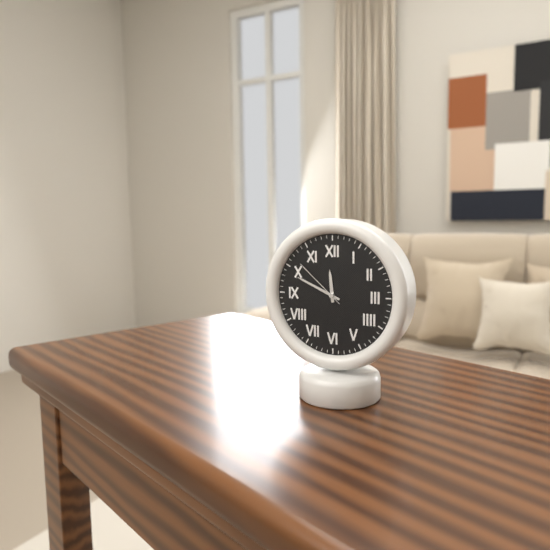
11:49:52
